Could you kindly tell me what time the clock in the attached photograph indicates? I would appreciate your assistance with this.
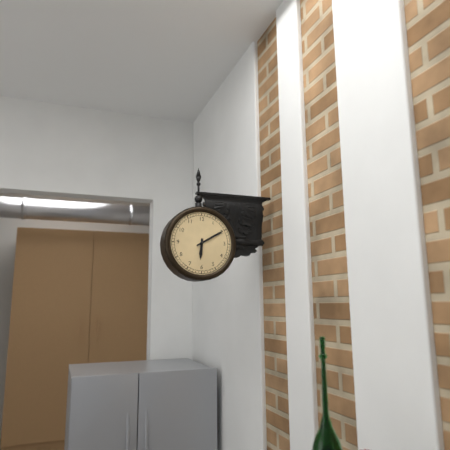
6:10
